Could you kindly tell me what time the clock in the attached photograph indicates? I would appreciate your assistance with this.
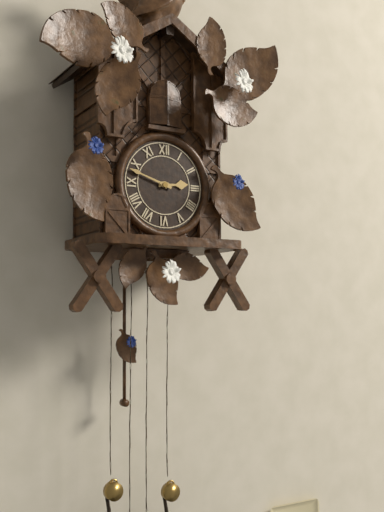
2:48
